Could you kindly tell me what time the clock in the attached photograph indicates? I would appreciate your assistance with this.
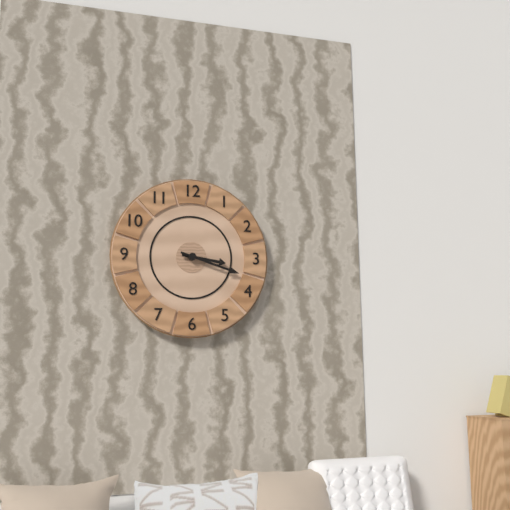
3:18
